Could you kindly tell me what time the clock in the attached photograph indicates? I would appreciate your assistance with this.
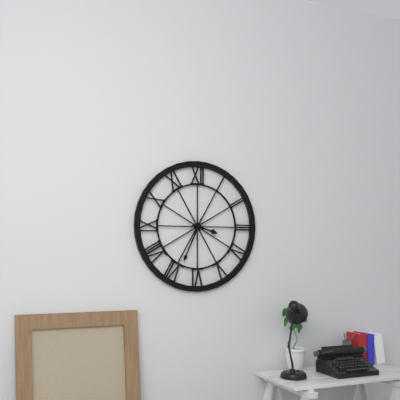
3:34
